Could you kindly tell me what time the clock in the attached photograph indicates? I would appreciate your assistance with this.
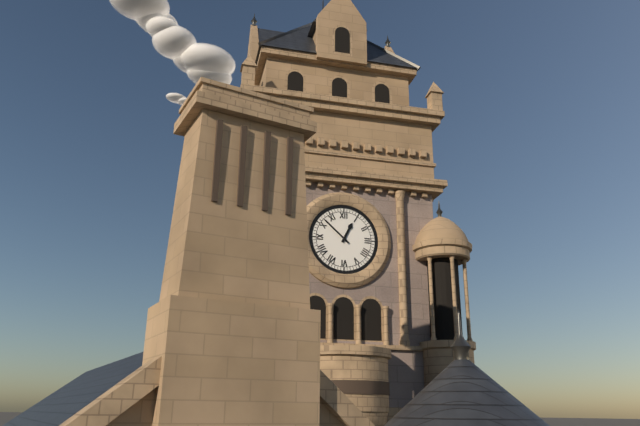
12:52
